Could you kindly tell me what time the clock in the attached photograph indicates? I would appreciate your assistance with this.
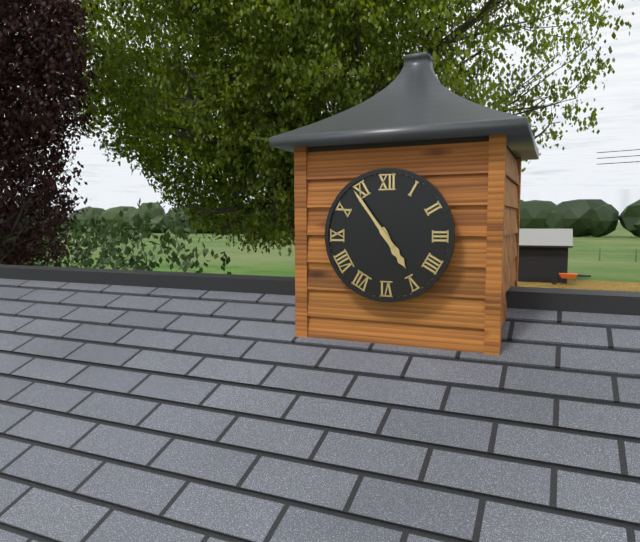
4:54
